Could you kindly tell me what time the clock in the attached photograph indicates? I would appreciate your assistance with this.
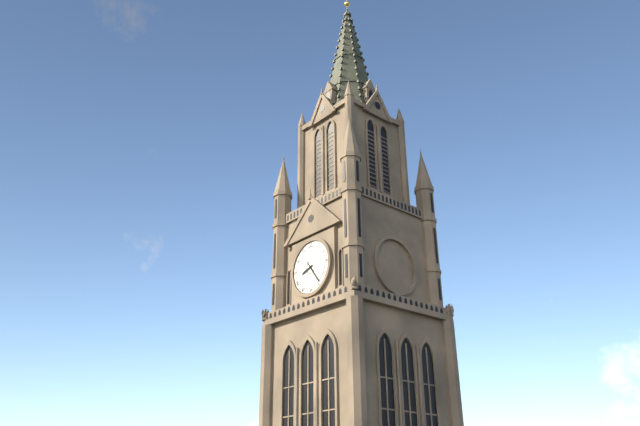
8:24
